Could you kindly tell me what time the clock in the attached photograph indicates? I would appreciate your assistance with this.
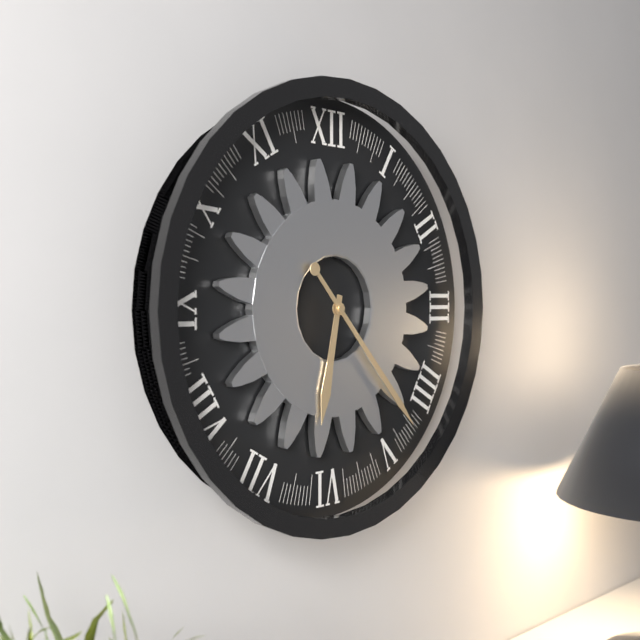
6:23
